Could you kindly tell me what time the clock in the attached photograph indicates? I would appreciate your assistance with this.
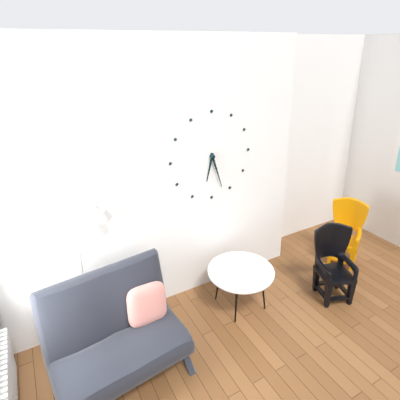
6:27
